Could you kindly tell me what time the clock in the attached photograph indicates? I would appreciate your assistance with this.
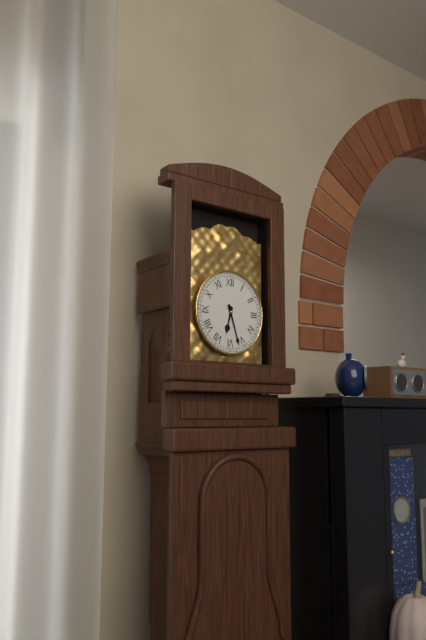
6:27
